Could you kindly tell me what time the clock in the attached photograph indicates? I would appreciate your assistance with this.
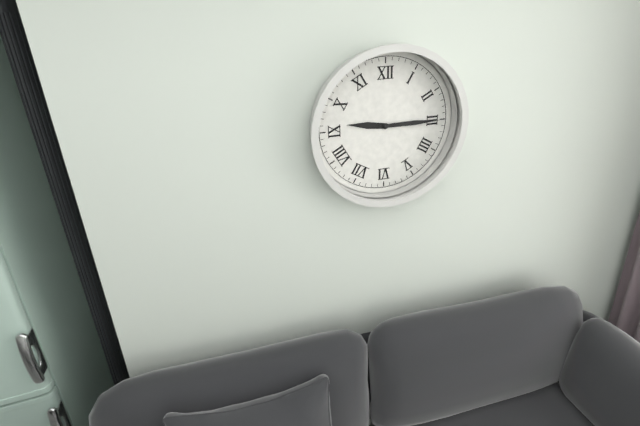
9:15
